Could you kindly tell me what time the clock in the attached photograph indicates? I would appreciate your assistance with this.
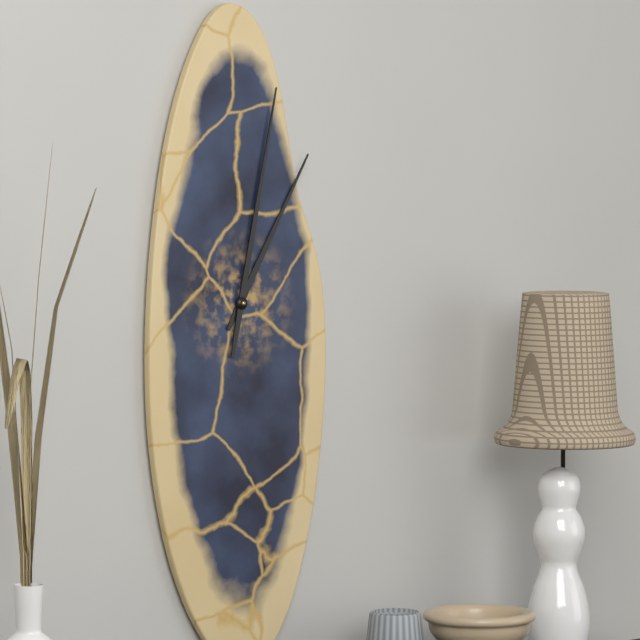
1:02
